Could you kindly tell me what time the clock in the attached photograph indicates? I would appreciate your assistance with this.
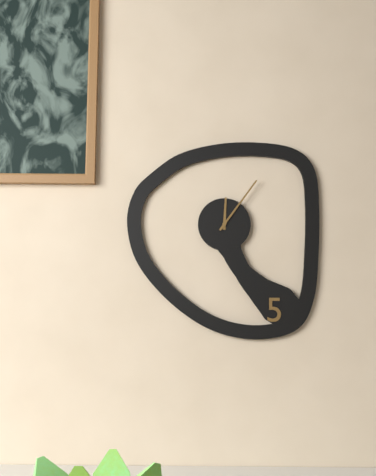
12:06
